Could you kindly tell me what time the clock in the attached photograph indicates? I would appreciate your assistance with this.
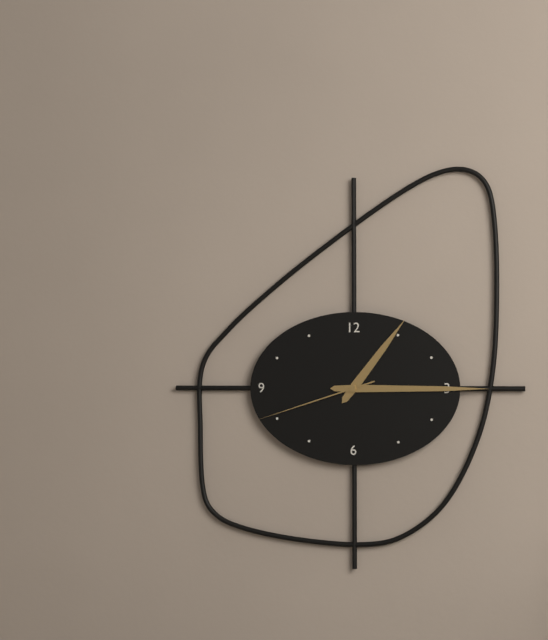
1:15:42
